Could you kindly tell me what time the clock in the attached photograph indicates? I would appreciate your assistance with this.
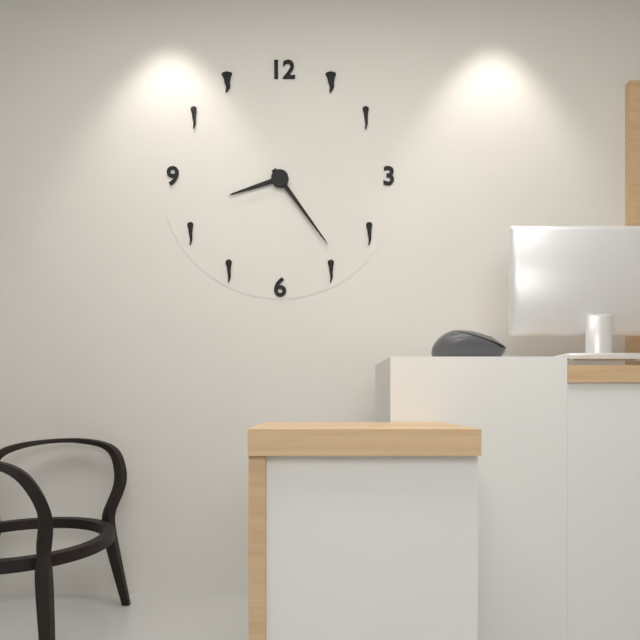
8:24
